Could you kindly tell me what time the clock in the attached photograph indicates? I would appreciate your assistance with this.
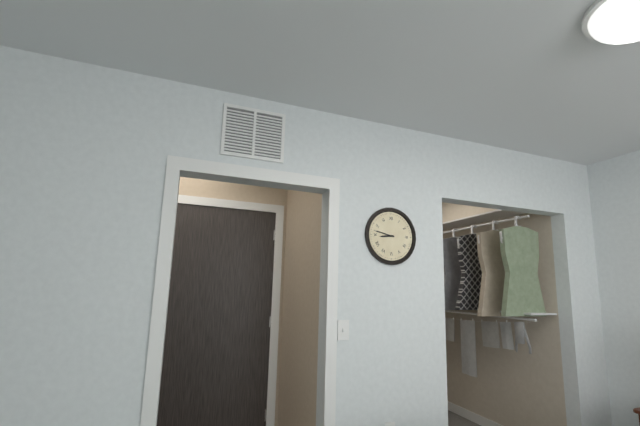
8:47
